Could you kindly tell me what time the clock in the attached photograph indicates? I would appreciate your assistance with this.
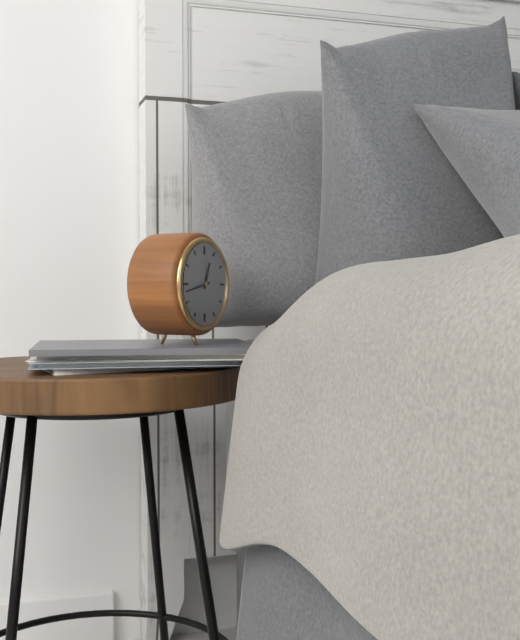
12:43
